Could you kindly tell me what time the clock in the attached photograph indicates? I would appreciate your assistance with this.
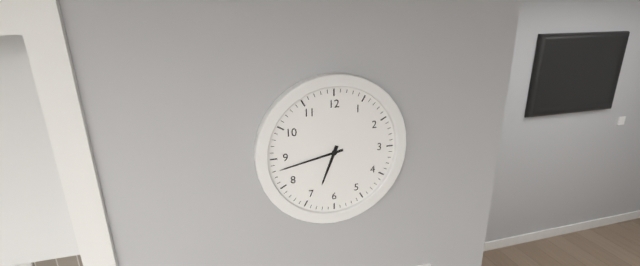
6:43
